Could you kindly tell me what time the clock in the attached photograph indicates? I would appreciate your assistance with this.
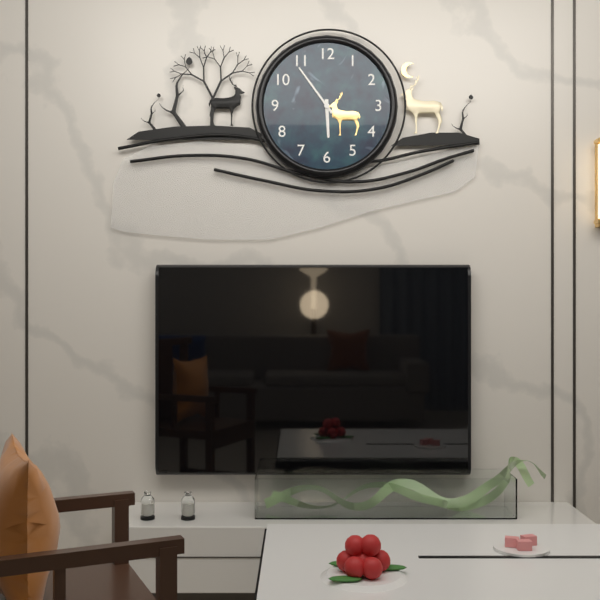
5:54
